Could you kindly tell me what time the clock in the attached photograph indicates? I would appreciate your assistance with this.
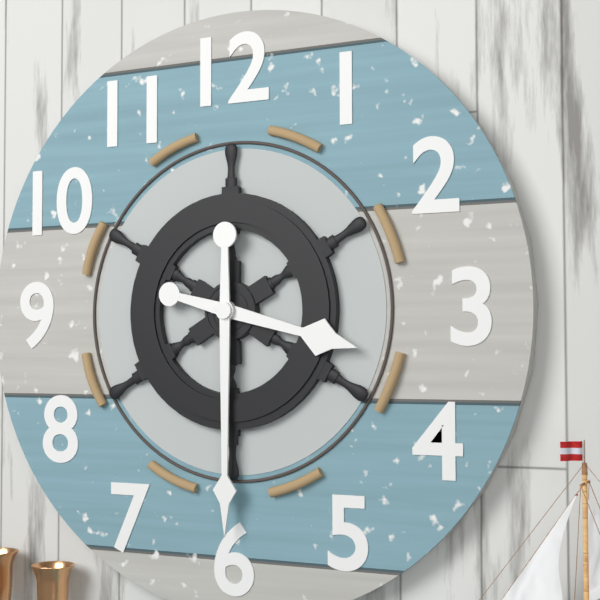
3:30
